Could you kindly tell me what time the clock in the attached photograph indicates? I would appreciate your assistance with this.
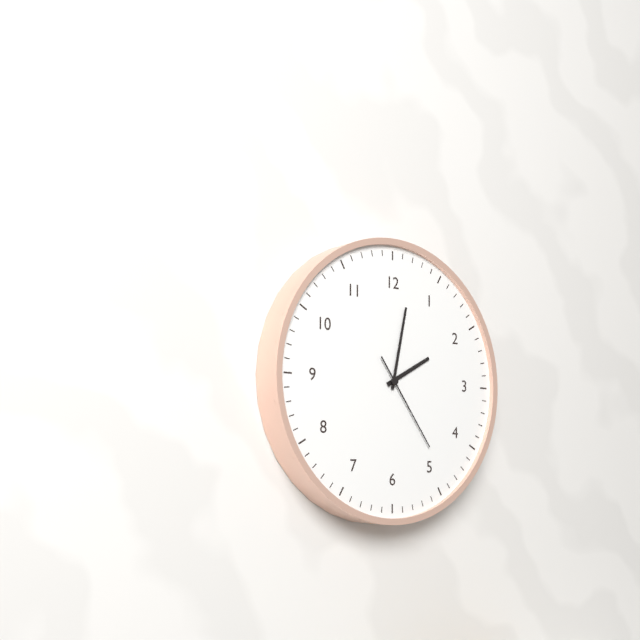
2:02:24
